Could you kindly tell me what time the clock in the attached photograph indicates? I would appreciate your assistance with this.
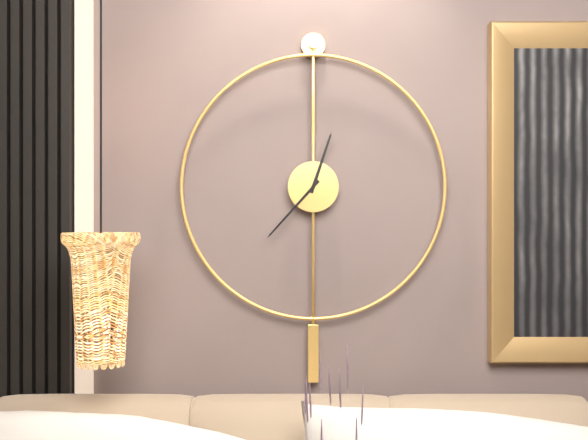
12:37
